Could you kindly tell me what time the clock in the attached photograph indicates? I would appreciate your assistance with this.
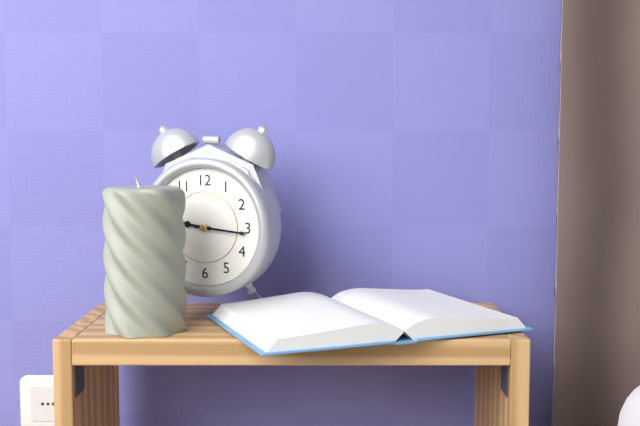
9:16
